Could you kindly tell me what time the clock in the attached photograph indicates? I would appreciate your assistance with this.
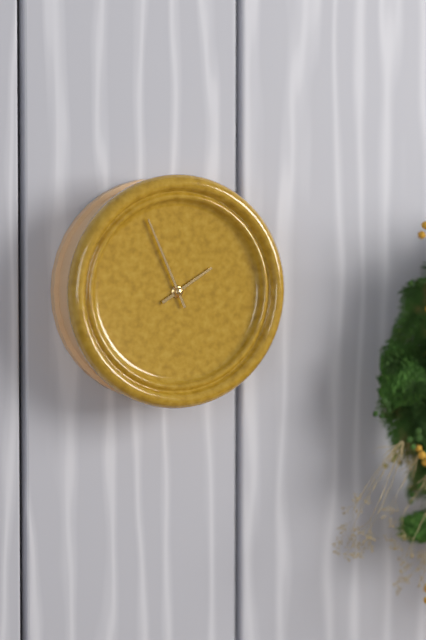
1:56
